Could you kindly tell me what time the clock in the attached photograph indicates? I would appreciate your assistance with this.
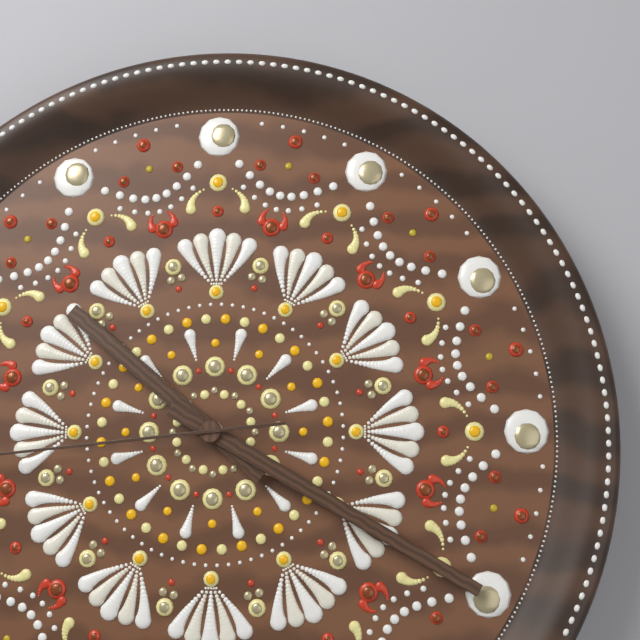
10:20
